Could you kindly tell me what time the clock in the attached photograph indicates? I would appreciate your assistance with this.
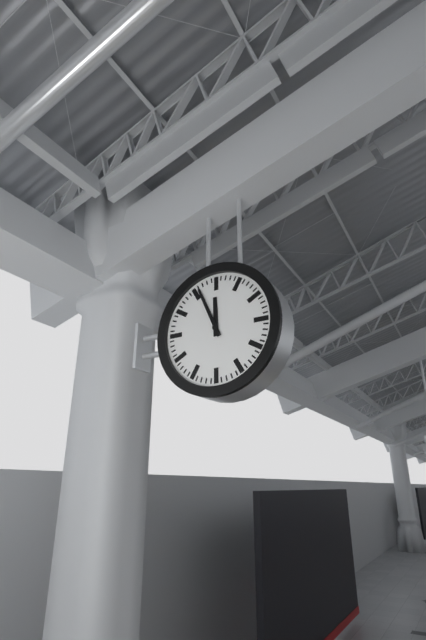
11:56
